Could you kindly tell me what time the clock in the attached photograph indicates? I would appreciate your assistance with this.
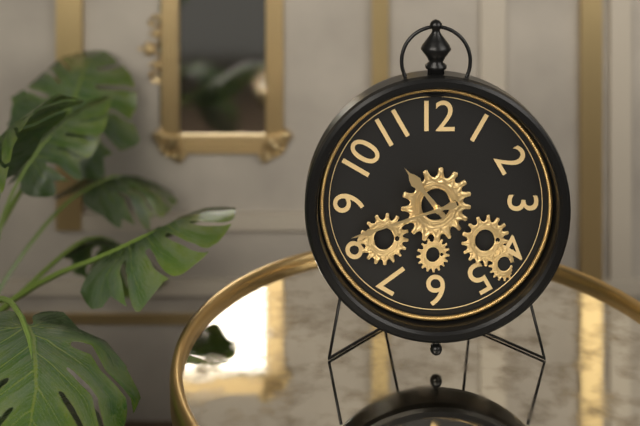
10:42
